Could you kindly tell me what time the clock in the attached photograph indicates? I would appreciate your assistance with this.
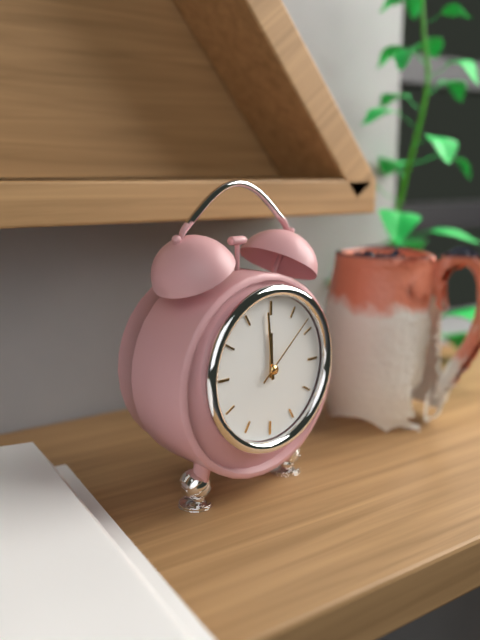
11:59:08
